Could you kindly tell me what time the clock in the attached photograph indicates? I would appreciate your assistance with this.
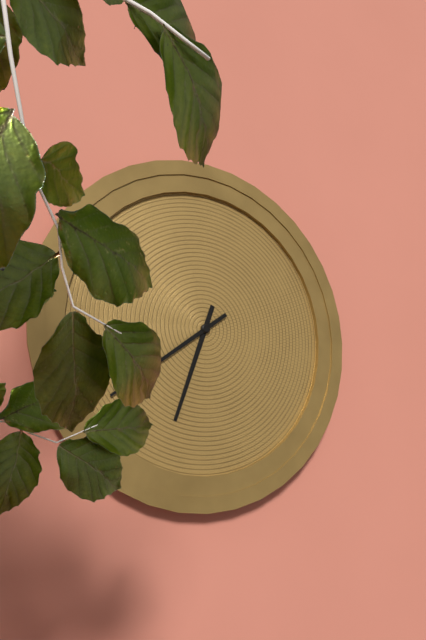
6:39
